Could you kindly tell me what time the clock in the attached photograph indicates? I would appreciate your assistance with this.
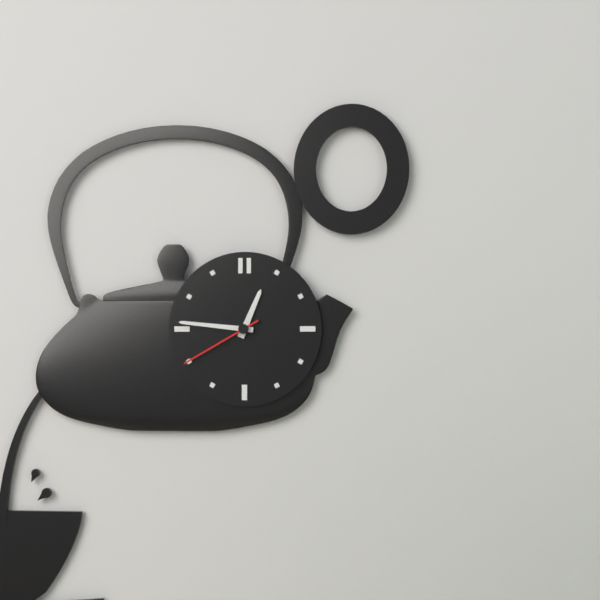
12:46:40
